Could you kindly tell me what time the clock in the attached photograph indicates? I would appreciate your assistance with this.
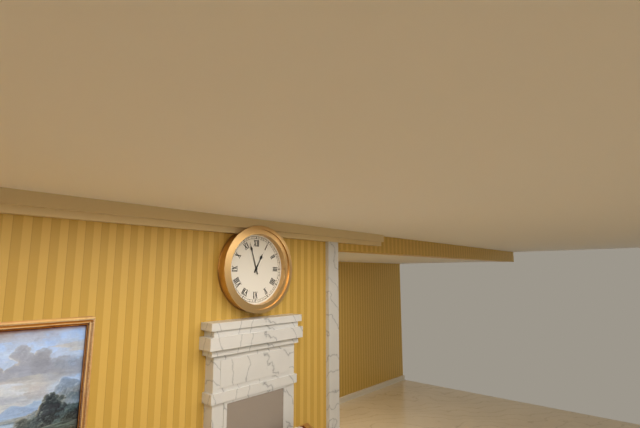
12:57
